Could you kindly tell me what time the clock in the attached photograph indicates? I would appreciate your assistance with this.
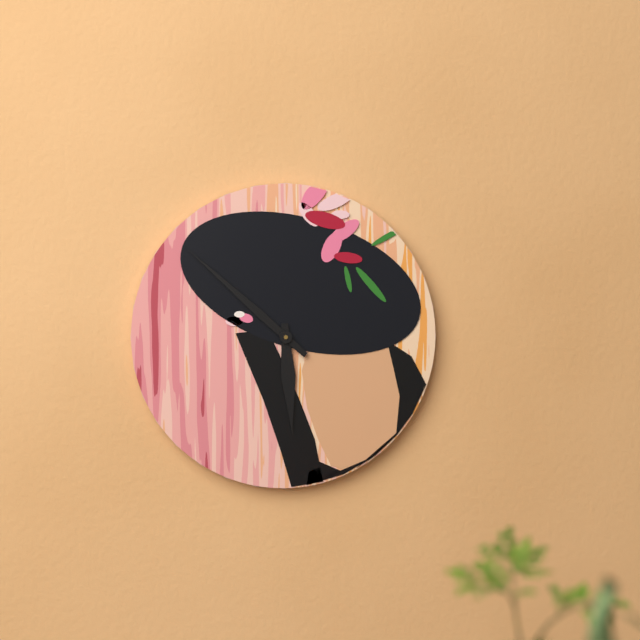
5:52
